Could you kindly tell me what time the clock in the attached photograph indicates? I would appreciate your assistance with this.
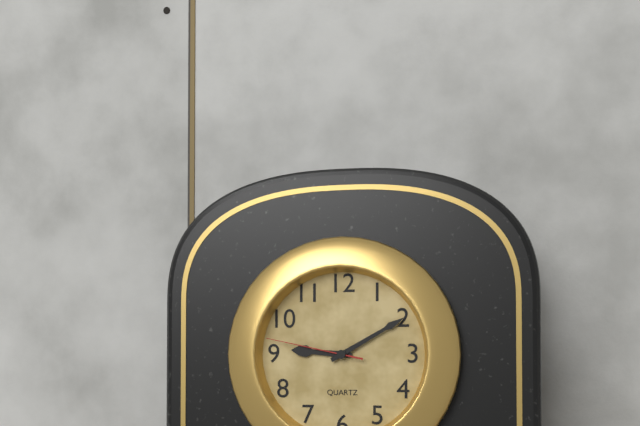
9:10:47
